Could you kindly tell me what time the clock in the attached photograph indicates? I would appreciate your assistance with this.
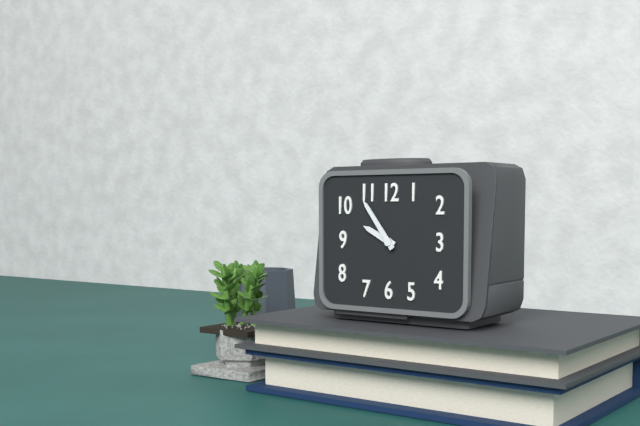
9:54
